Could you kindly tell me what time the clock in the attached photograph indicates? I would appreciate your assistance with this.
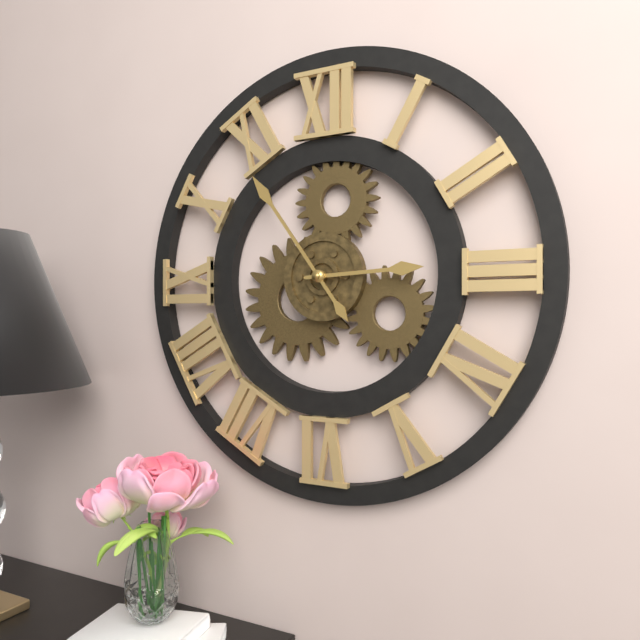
2:54
